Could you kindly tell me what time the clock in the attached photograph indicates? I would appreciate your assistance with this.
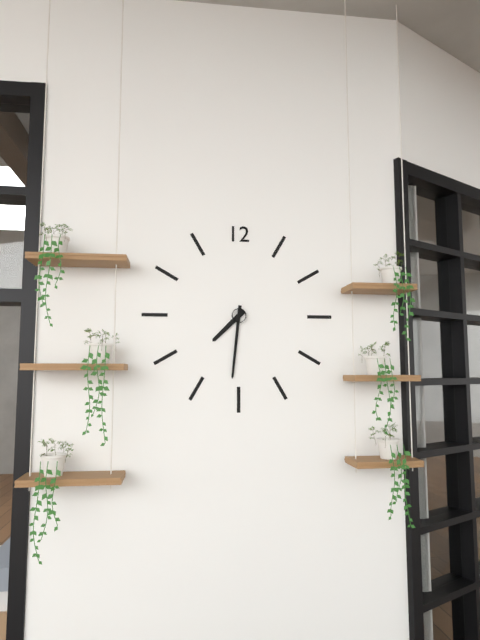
7:31
